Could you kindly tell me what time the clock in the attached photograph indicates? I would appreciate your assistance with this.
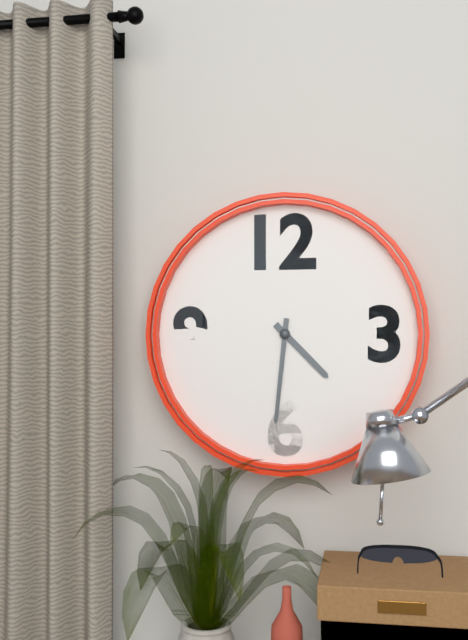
4:31
